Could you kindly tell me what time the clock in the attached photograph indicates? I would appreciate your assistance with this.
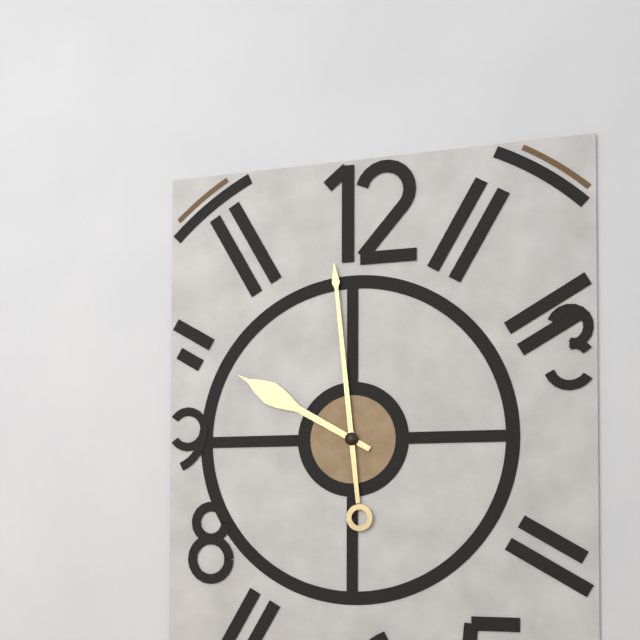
9:59
